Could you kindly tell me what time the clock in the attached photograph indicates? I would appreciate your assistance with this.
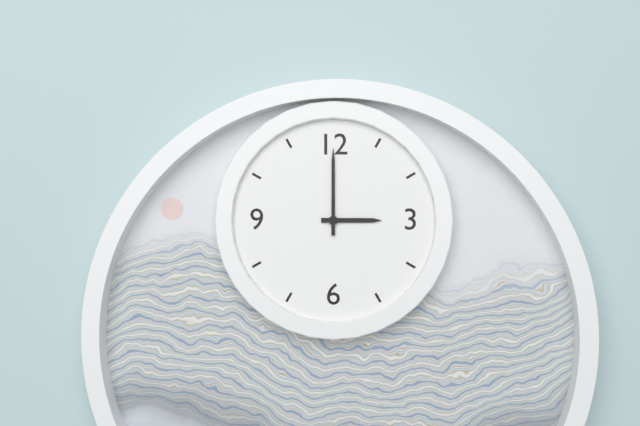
3:00
